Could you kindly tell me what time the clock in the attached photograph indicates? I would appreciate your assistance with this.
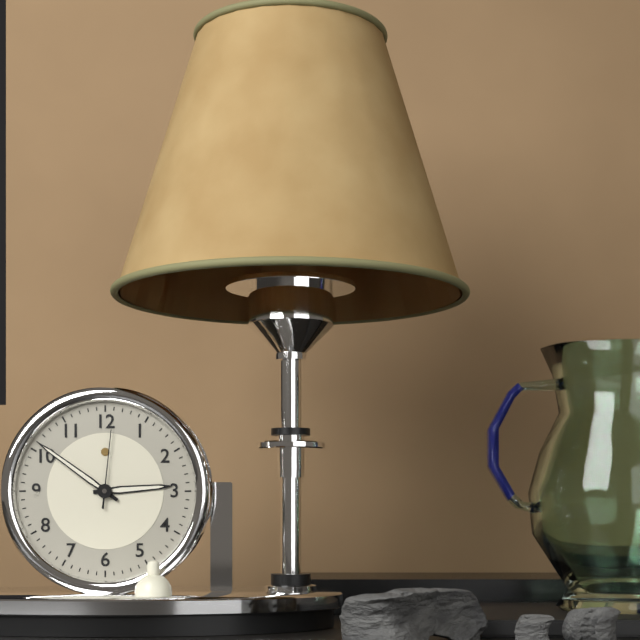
2:51:01
